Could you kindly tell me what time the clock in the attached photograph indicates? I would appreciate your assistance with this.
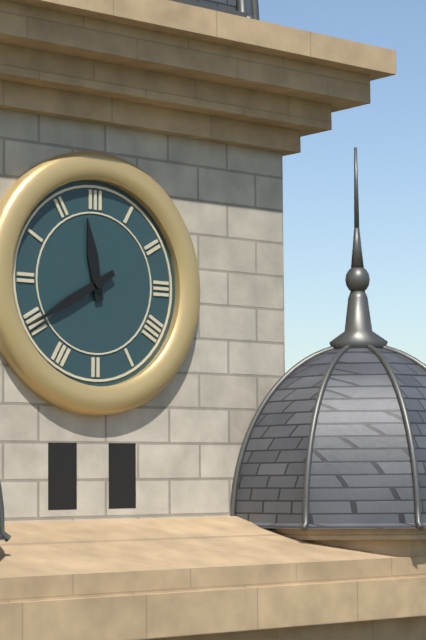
11:40
